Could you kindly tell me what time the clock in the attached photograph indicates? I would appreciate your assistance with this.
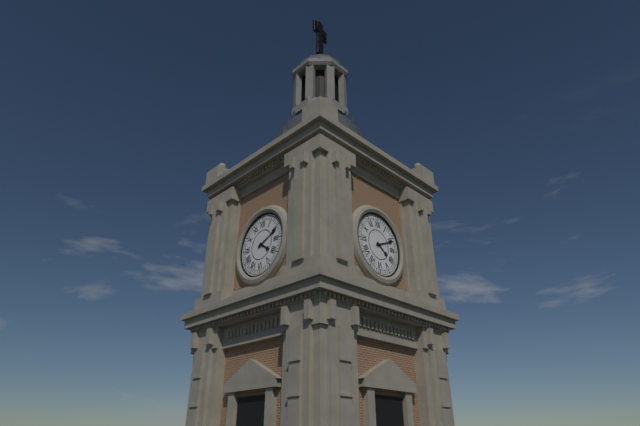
4:11
